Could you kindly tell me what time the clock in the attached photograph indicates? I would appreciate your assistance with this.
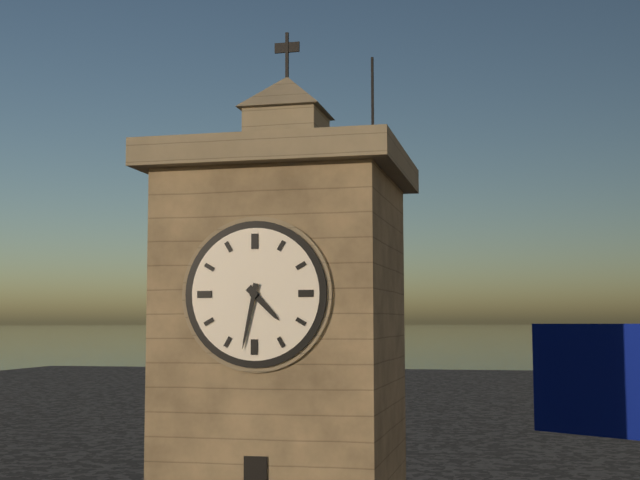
4:32
